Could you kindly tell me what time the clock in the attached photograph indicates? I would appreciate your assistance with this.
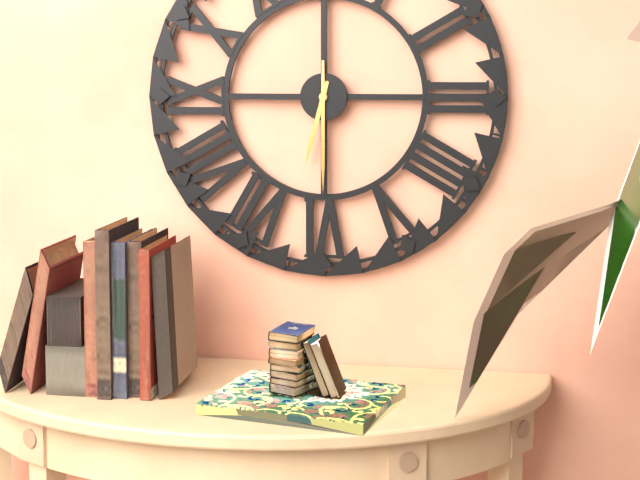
6:30
